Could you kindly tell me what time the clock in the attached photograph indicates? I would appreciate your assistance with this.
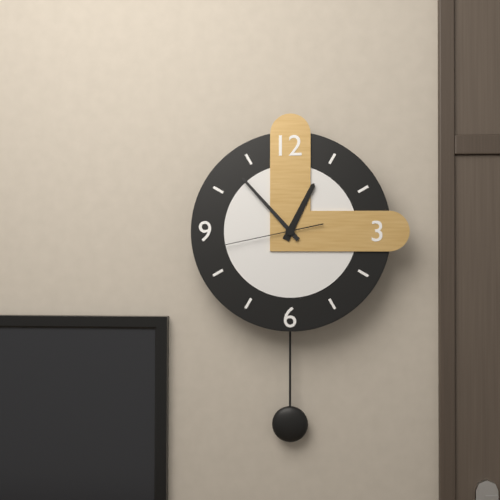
12:53:43
